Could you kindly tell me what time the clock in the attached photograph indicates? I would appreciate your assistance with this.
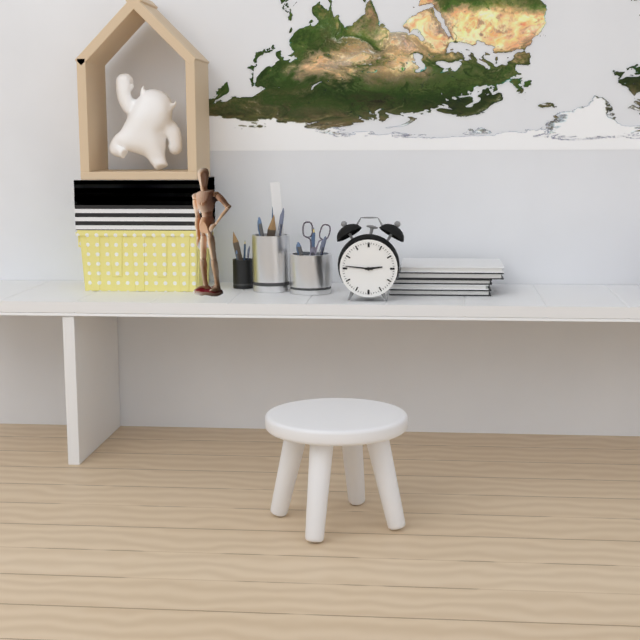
2:46
